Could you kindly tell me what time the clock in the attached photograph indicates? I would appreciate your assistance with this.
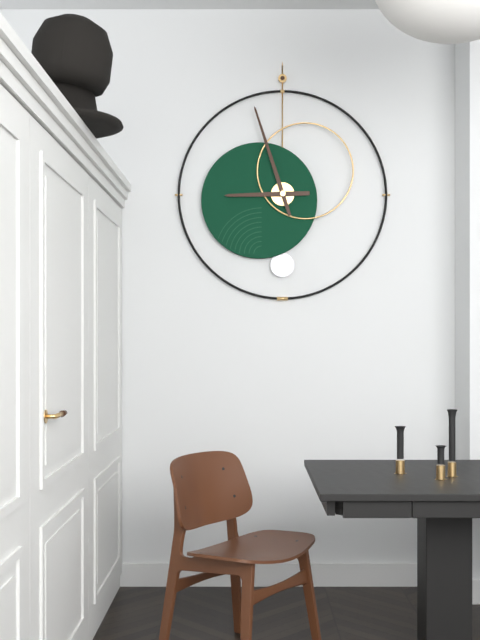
8:57
